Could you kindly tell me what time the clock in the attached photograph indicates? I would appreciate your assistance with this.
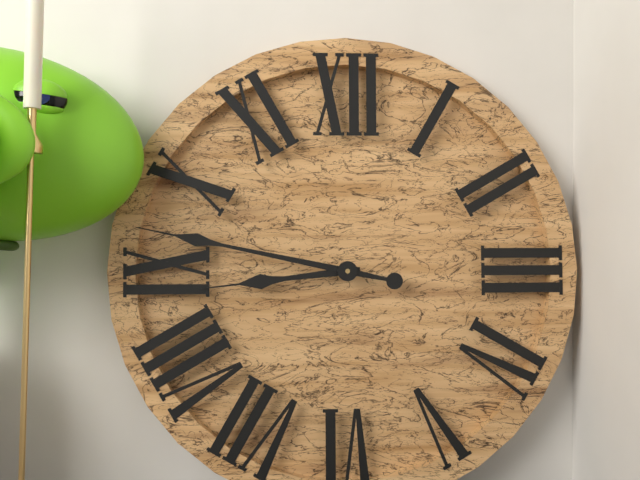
8:47
